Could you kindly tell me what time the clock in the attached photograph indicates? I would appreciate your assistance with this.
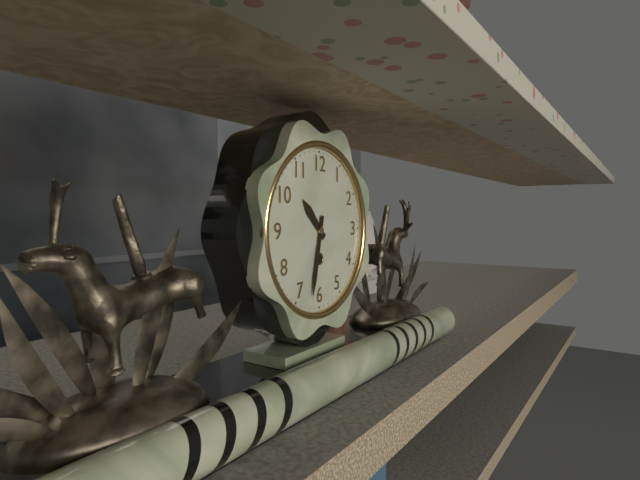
10:32
